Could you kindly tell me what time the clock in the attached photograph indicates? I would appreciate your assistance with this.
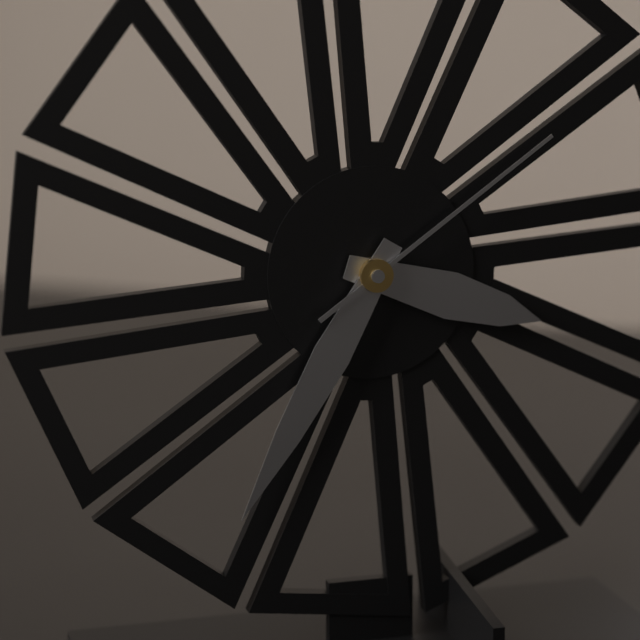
3:35:09
